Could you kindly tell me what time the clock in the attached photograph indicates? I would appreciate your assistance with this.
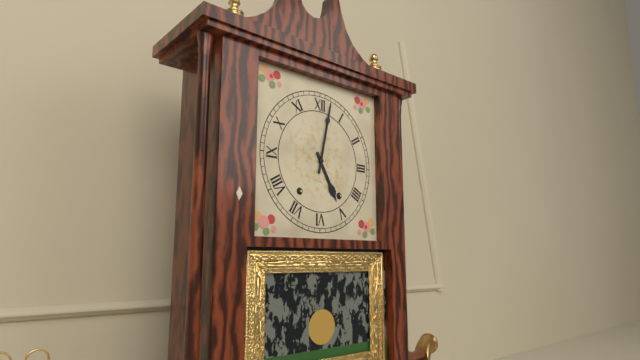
5:02
